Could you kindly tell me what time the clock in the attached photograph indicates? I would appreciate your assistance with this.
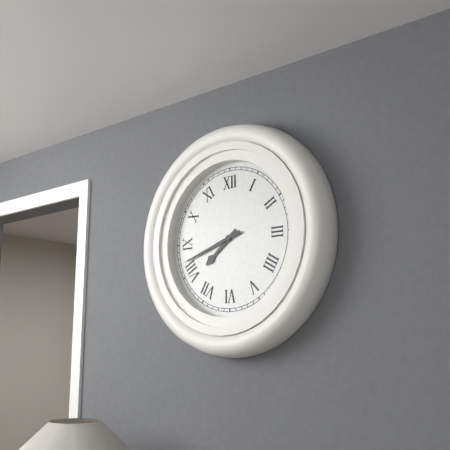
7:42
